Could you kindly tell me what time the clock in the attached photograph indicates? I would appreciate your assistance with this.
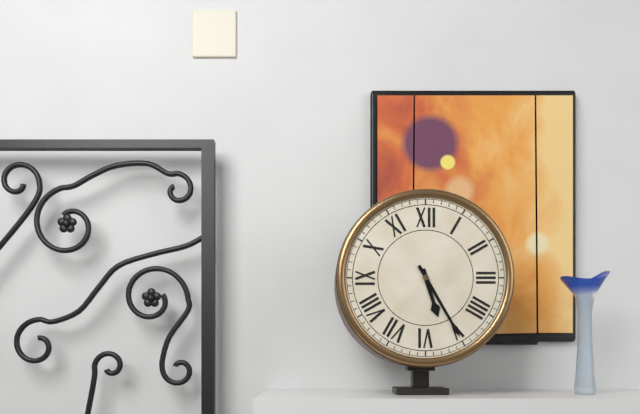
5:25
